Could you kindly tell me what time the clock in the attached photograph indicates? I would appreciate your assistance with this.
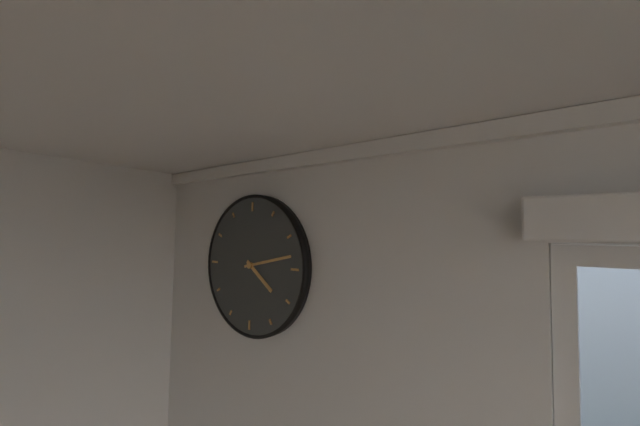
4:13
